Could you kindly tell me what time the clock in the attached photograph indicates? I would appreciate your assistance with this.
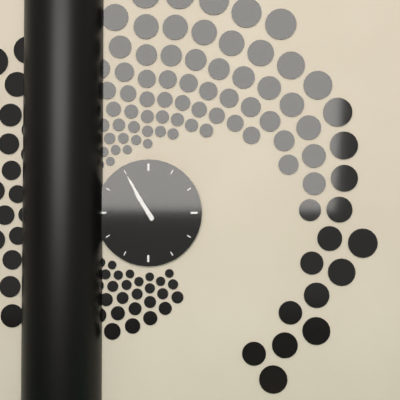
10:55
